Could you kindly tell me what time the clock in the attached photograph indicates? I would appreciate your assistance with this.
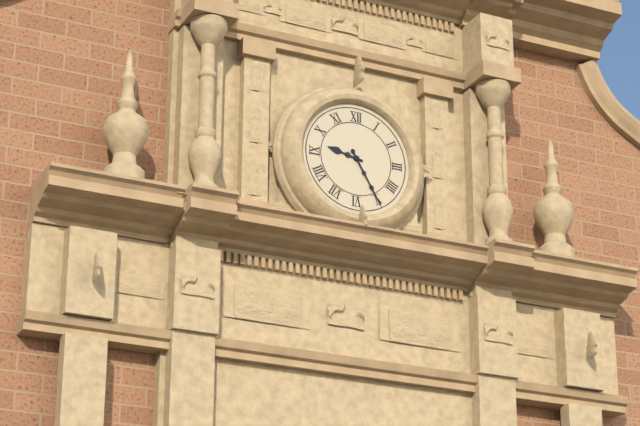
9:25
